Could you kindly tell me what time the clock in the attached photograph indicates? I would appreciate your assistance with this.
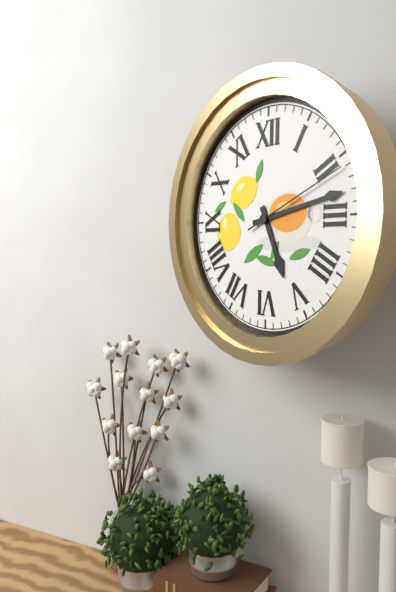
5:13:11
